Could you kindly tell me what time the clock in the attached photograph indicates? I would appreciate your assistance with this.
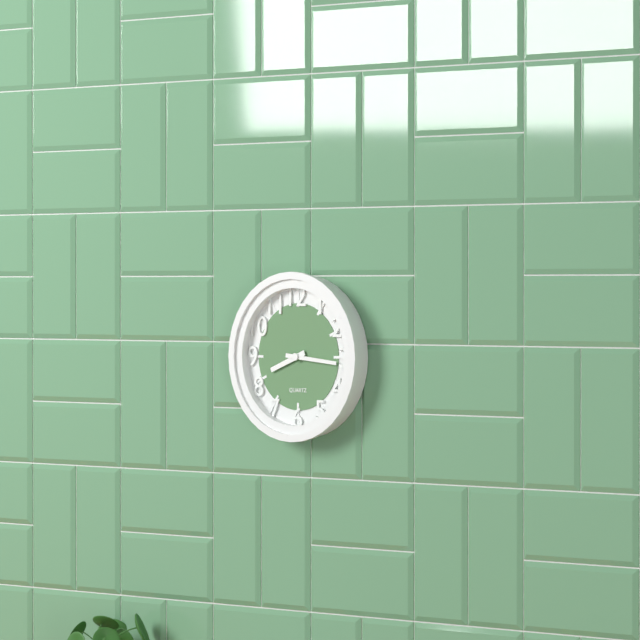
8:16
